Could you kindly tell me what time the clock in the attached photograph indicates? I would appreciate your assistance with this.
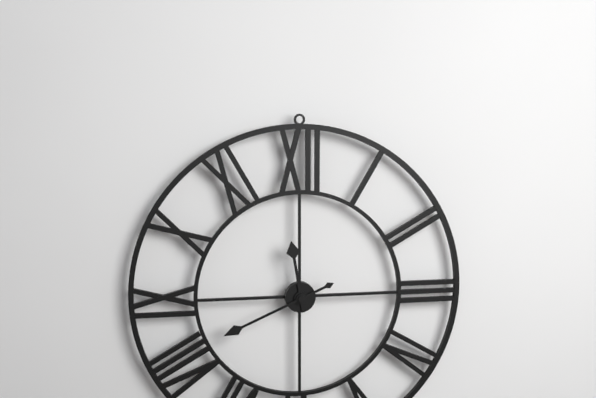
11:41
